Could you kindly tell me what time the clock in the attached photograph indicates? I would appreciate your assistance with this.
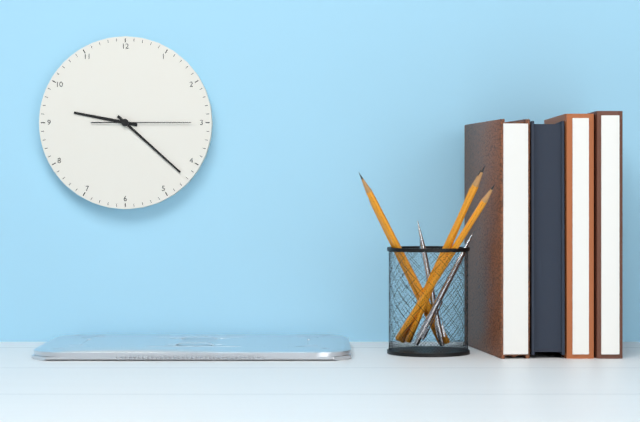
9:22:15
